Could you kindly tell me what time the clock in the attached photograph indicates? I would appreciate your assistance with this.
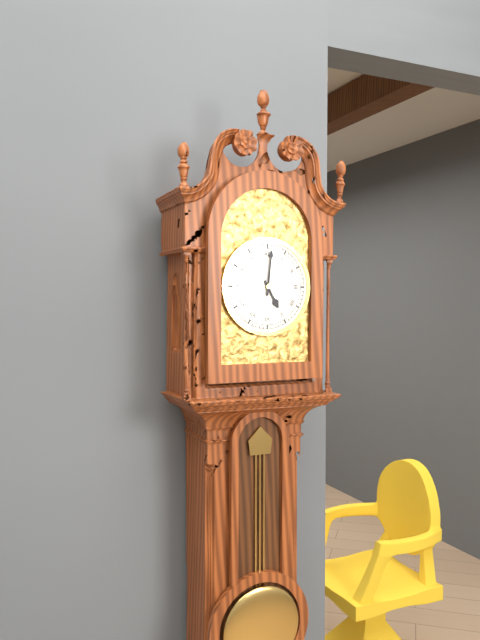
5:01
